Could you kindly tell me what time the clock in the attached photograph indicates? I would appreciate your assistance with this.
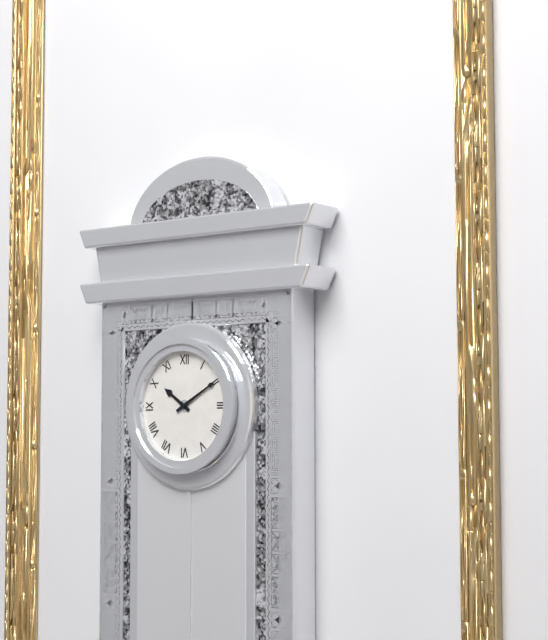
10:10
